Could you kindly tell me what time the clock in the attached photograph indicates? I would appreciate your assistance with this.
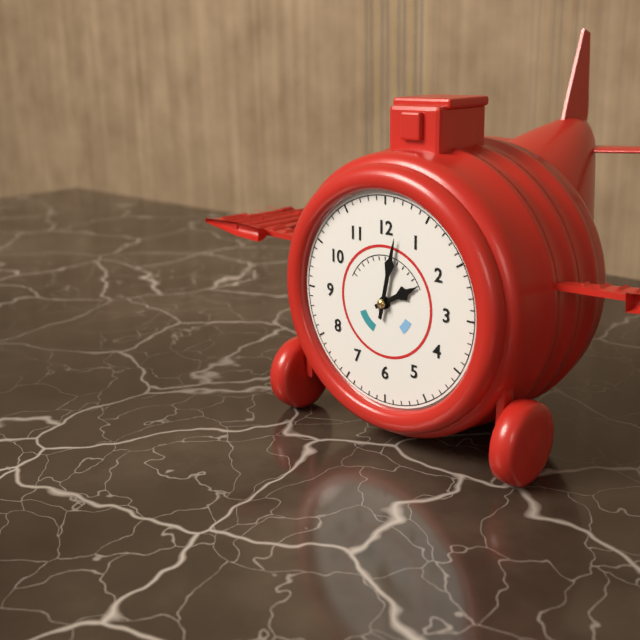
2:02
